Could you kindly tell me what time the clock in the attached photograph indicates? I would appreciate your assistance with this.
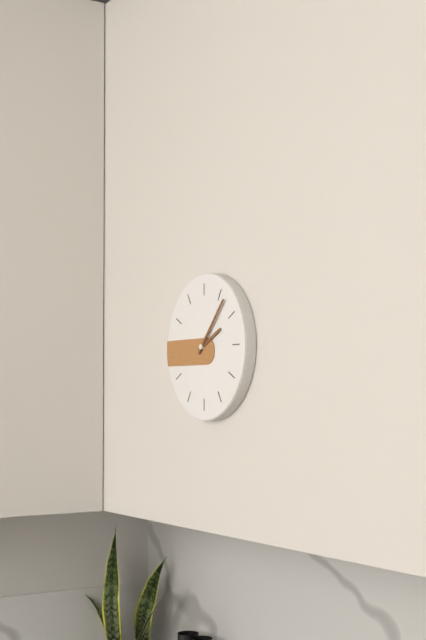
2:07
